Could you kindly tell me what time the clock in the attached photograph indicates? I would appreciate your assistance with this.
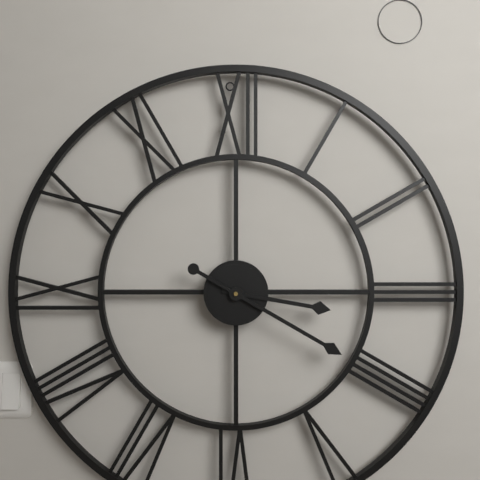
3:20
